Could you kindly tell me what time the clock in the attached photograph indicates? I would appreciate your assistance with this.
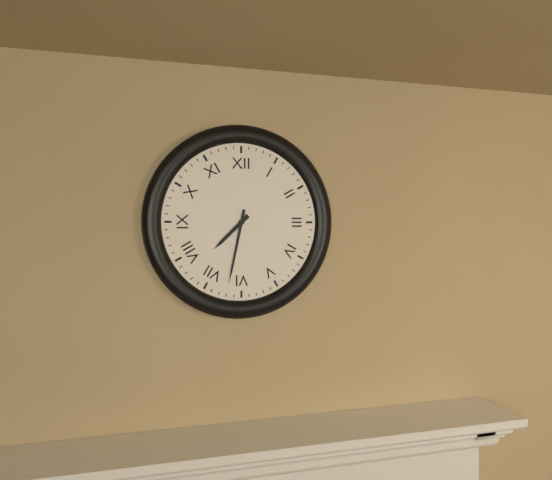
7:32
